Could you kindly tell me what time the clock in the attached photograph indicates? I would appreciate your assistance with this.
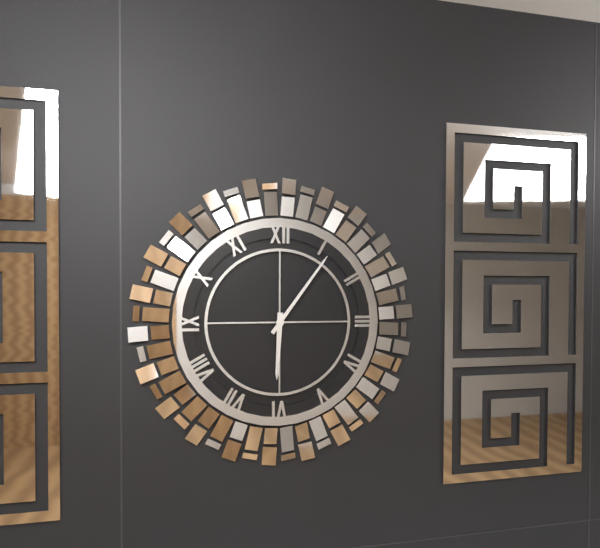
6:06
